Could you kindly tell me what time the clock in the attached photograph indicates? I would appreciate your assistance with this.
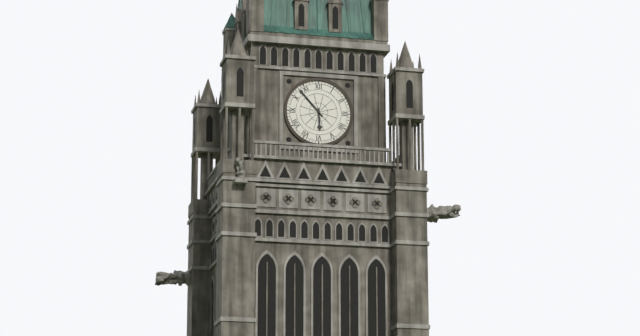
5:53
